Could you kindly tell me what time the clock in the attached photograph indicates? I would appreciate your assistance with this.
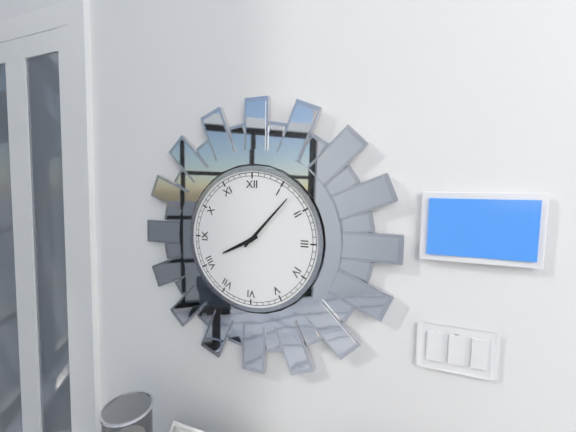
8:07
